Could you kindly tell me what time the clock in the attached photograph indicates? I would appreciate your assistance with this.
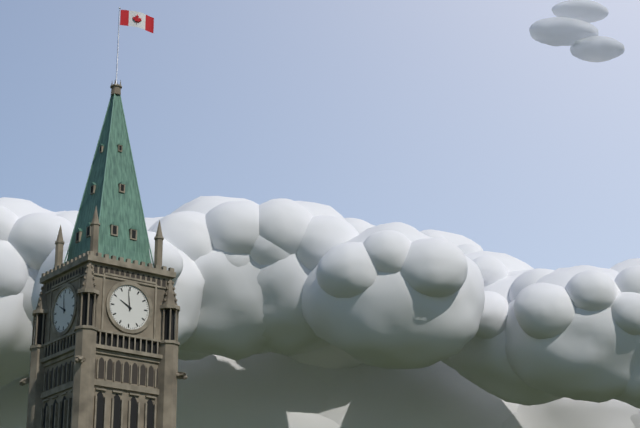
9:59
